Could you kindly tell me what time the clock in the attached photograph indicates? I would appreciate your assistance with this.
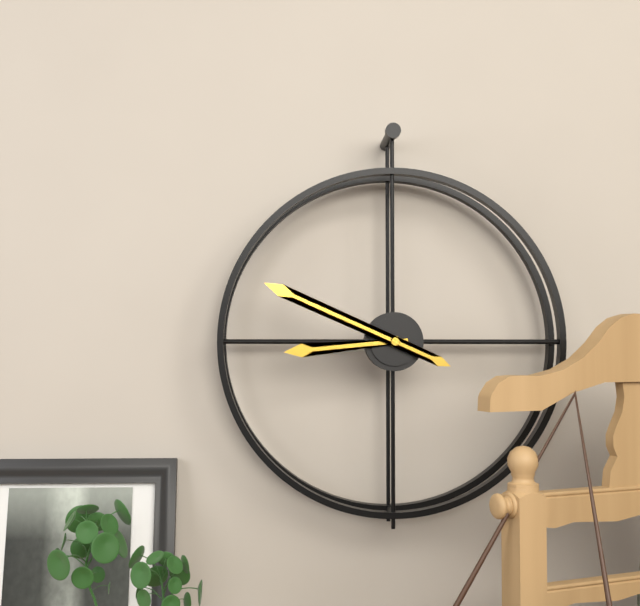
8:49
